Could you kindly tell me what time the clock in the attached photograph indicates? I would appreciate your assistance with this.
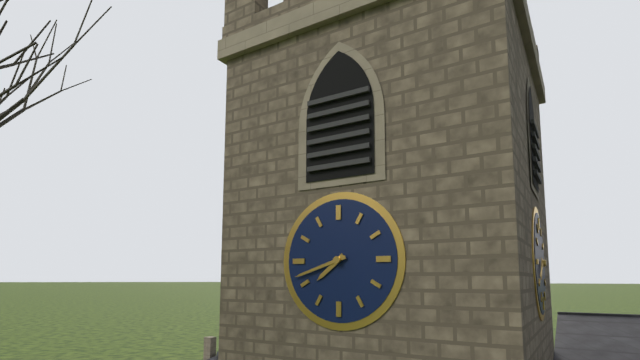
7:42
